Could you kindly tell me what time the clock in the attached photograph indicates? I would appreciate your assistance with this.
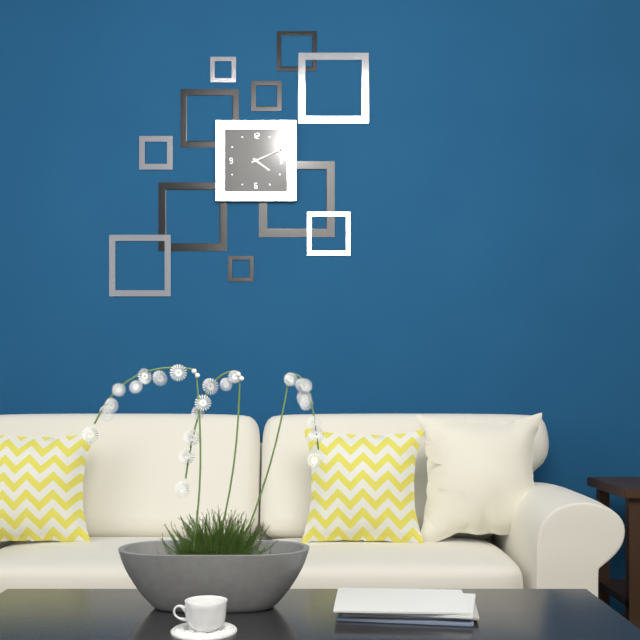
4:11
